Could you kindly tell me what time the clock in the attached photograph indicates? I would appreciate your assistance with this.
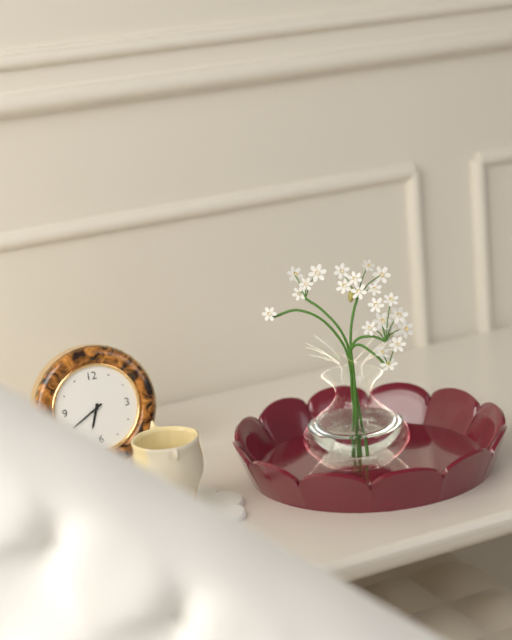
6:40
